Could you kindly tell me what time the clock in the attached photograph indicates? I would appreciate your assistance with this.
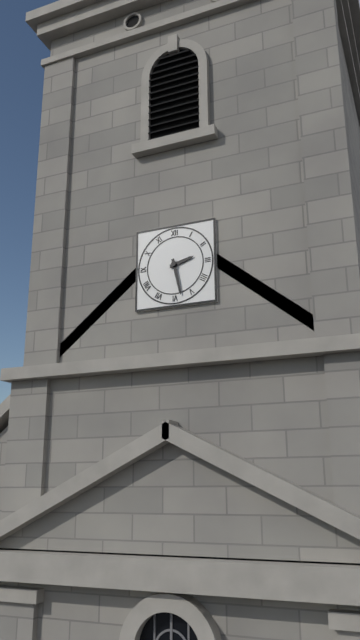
2:28
